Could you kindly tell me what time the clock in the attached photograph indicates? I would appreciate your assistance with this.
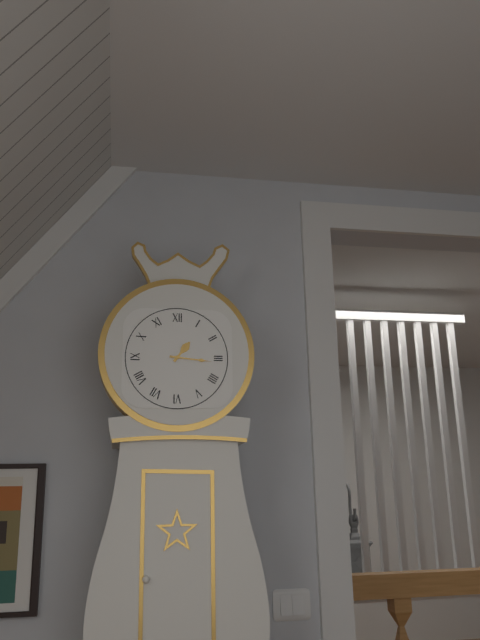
1:16
